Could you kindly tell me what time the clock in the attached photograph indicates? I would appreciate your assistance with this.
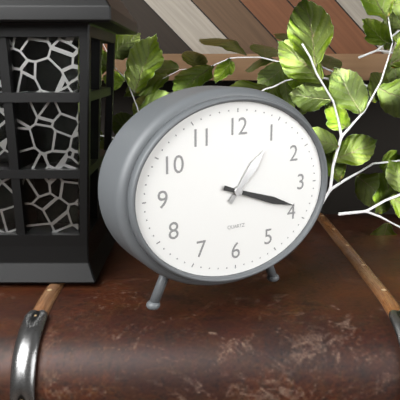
1:18
